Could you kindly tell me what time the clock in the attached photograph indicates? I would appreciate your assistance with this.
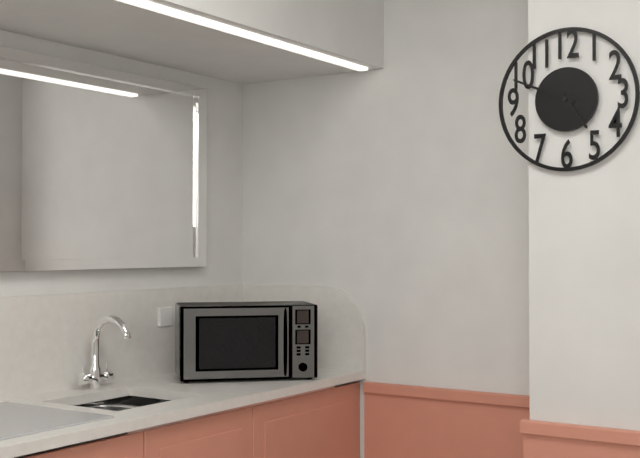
4:49
